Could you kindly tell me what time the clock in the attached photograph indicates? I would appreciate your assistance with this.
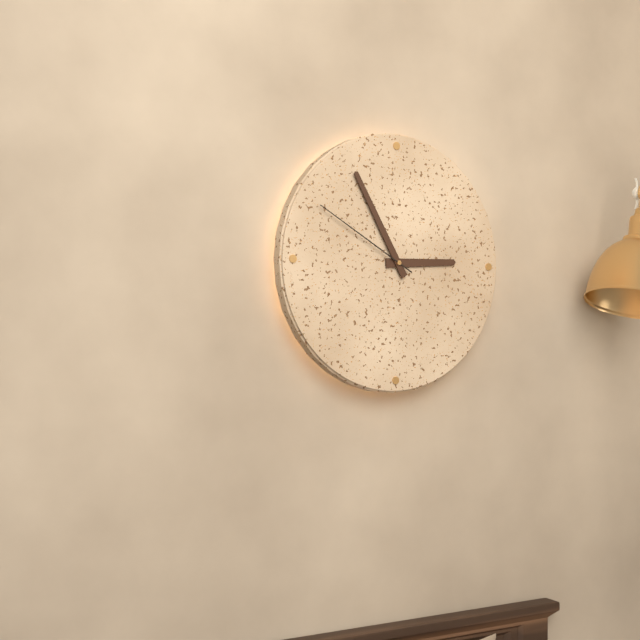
2:55:50
